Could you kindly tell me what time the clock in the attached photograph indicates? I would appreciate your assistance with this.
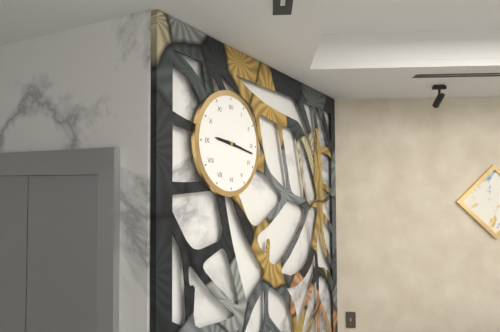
9:17
